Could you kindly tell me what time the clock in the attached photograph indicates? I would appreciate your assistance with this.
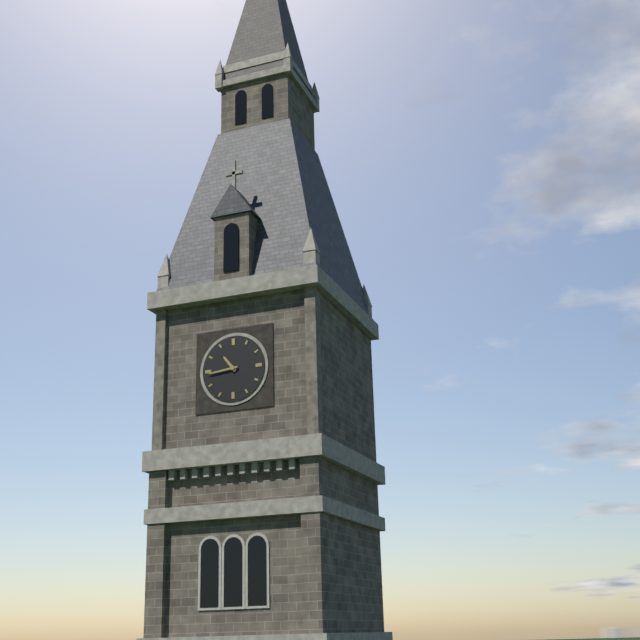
10:44
